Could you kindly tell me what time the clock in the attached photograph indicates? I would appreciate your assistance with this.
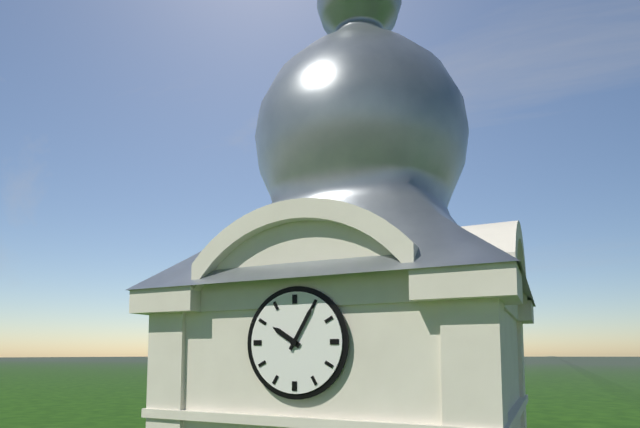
10:05
